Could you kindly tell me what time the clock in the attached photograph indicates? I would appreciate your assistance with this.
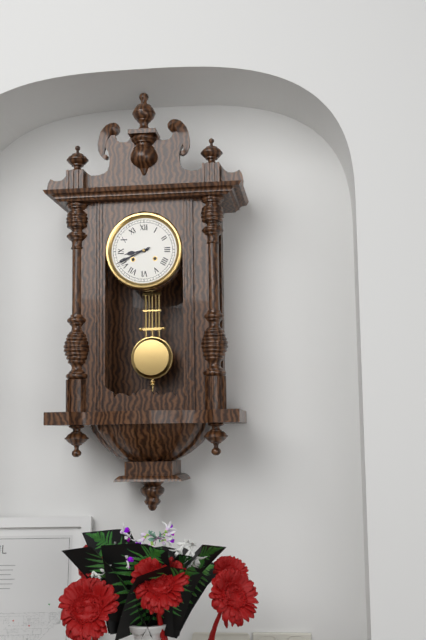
8:41
